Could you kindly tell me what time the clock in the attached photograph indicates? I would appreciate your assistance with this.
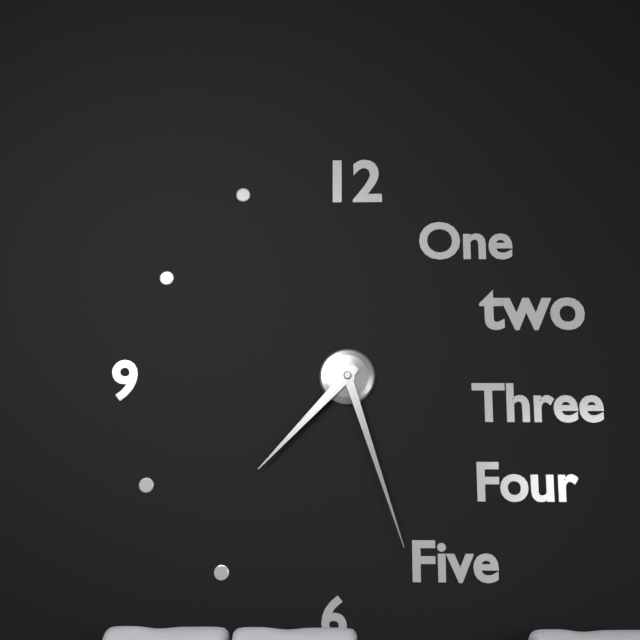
7:27
